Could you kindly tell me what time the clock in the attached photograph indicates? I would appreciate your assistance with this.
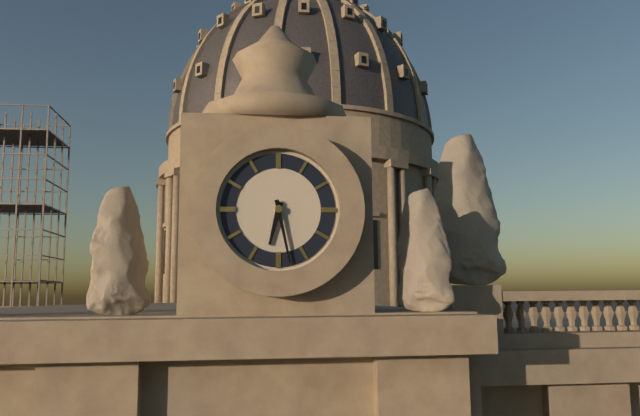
6:28
